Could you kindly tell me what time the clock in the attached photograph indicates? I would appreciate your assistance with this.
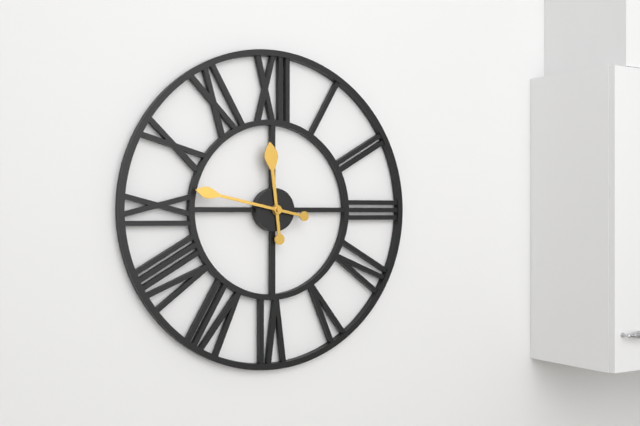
11:47
